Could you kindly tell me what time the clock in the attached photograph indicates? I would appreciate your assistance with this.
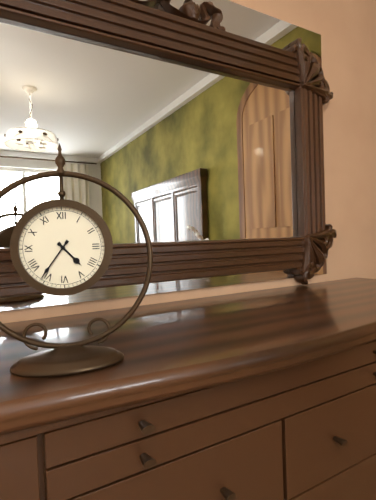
4:36
